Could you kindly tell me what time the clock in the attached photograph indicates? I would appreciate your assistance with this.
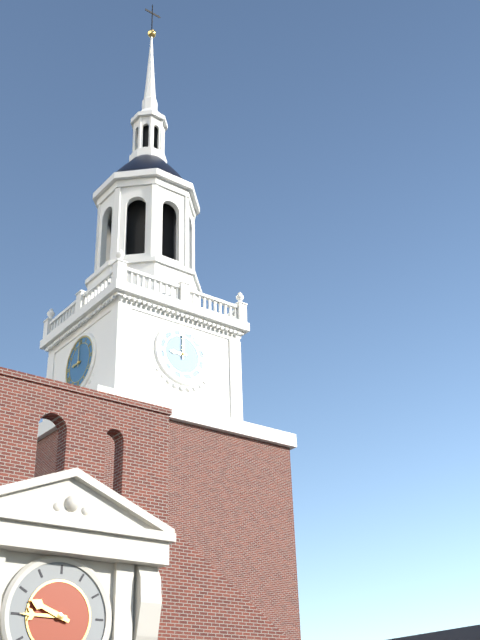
9:00
